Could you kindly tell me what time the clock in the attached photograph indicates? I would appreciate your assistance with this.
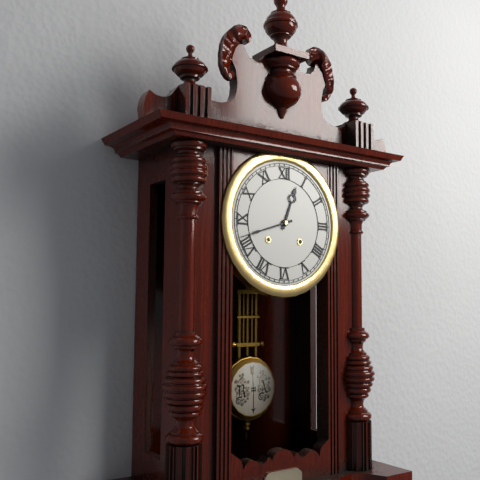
12:42
